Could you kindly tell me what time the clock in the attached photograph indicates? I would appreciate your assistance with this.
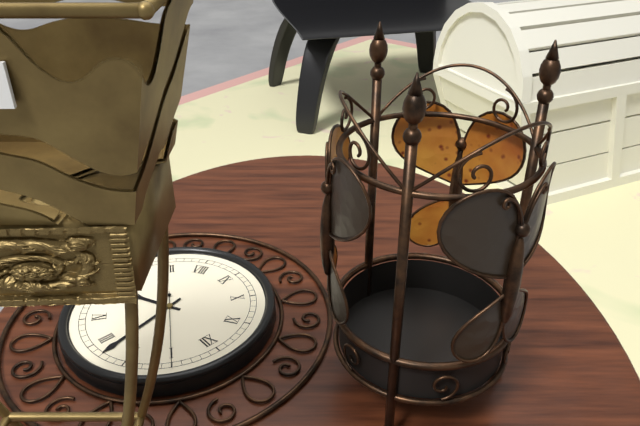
5:13:05
